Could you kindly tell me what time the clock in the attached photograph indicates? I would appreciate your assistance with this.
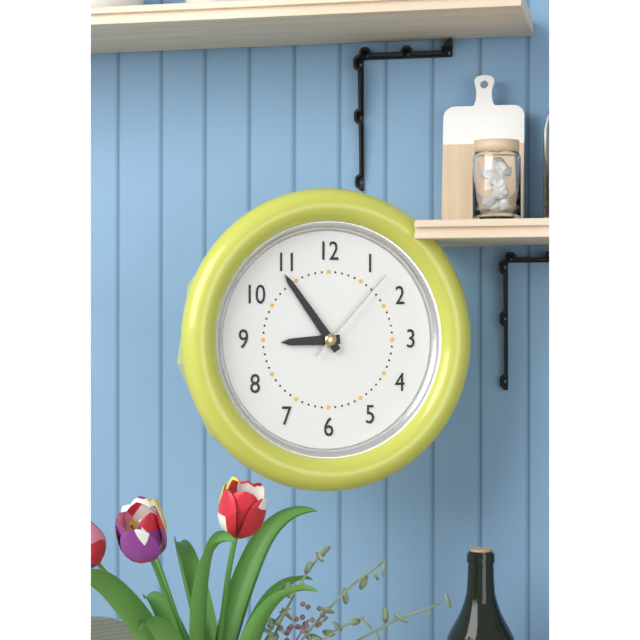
8:54:07
